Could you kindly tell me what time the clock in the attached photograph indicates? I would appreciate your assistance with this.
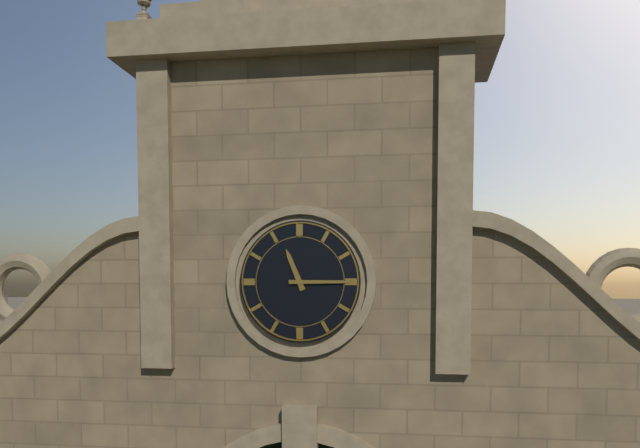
11:15
